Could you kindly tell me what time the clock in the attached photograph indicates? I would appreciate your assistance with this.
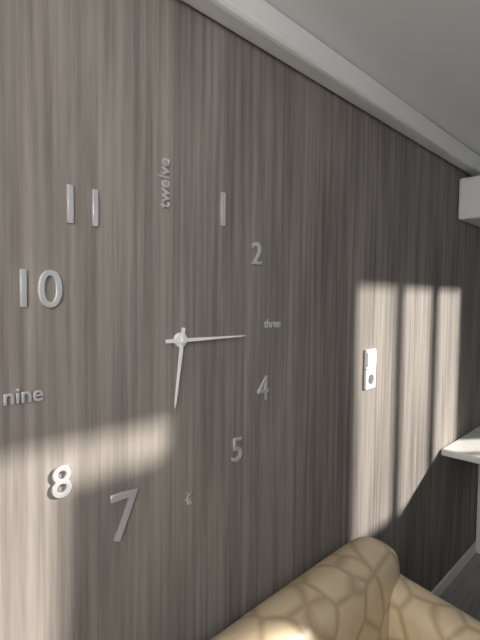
6:15
